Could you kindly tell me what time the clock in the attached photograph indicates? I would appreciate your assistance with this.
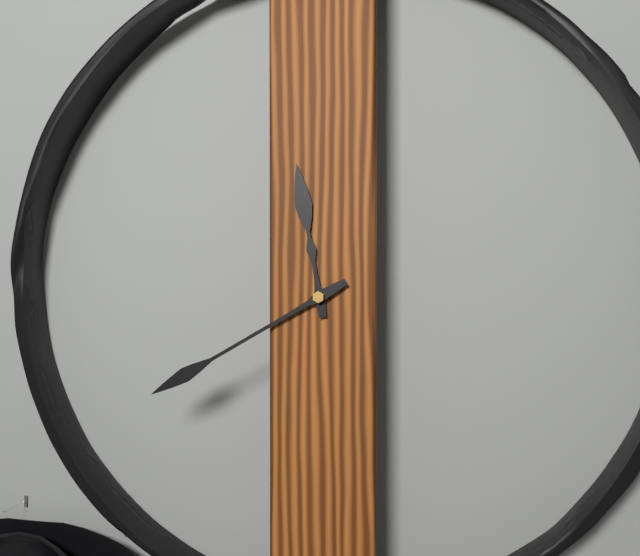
11:40
